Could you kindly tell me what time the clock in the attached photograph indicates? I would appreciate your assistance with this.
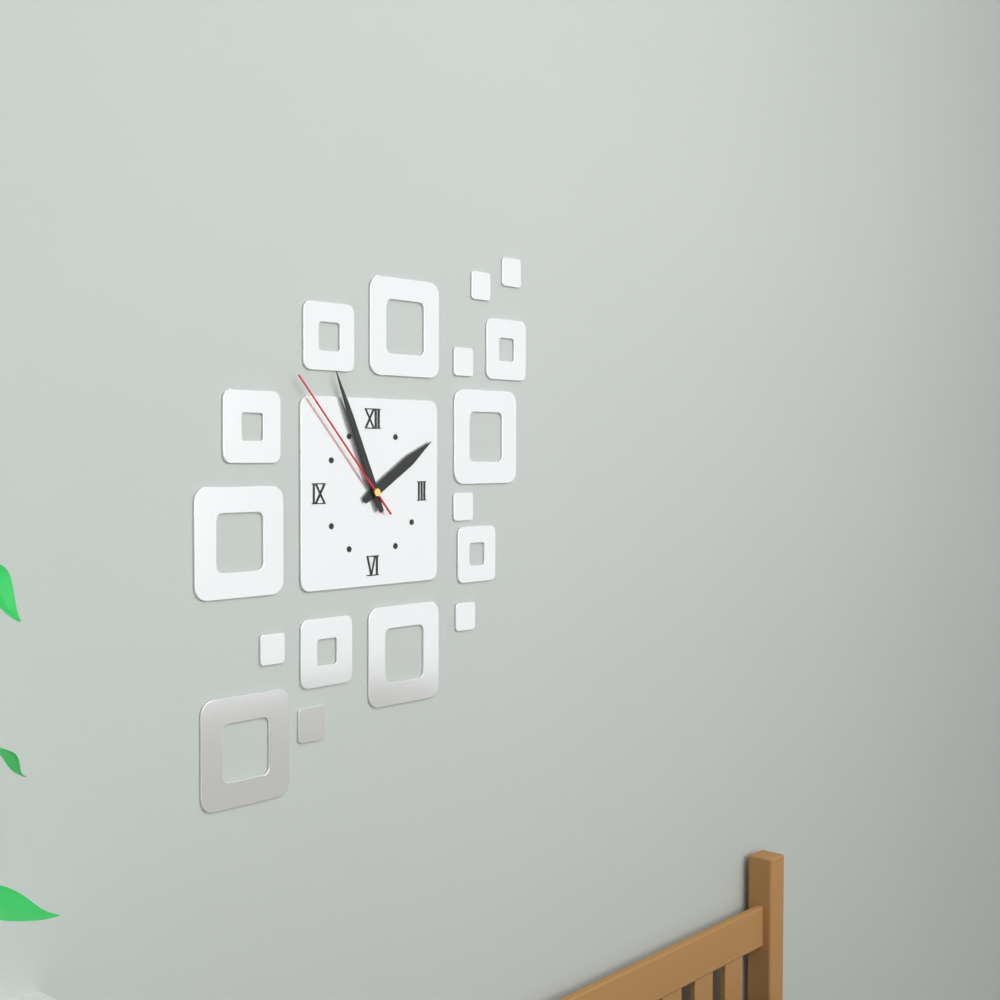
1:56:53
